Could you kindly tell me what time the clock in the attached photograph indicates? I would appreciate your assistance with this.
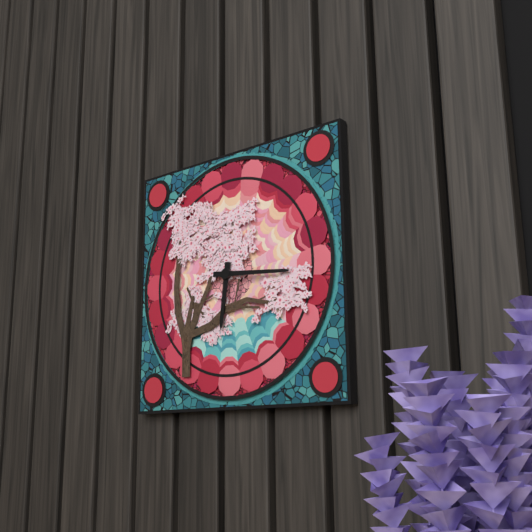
6:16
